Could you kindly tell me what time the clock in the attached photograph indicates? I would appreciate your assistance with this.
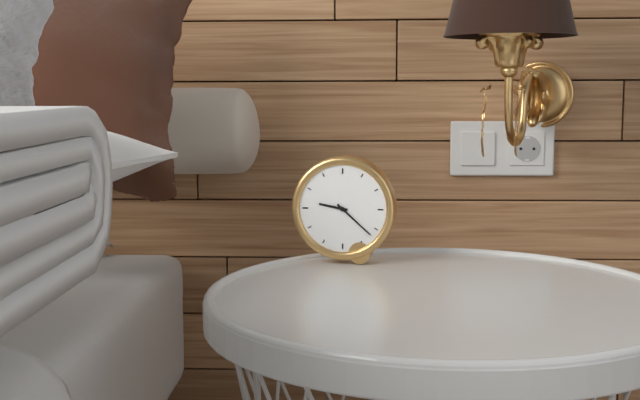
9:22
